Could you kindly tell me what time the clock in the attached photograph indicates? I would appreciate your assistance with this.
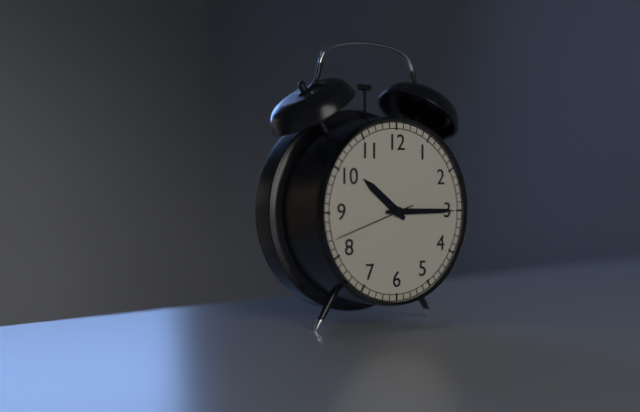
10:15:42
